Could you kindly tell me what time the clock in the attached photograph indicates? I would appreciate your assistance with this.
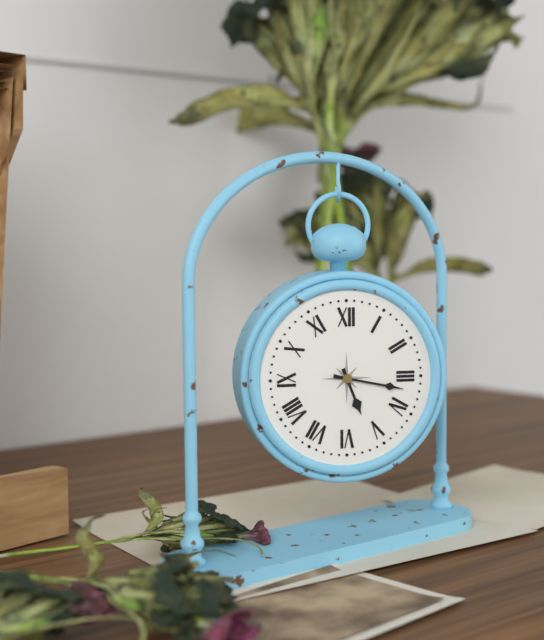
5:17
